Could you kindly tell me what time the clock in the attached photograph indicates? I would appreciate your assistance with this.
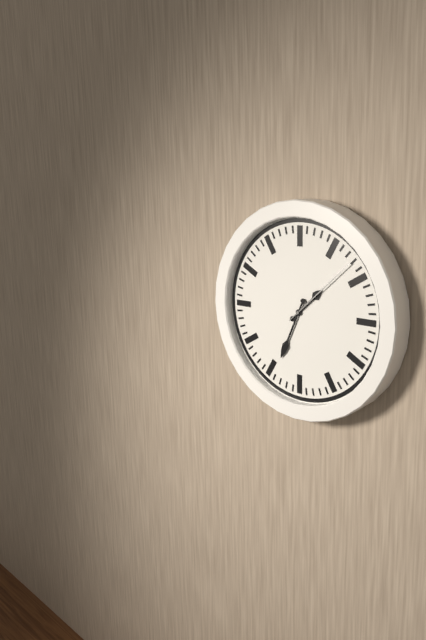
1:34:08
